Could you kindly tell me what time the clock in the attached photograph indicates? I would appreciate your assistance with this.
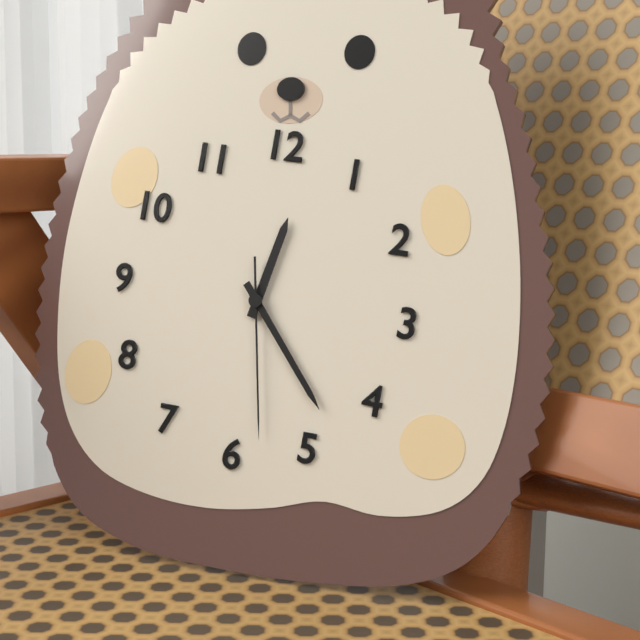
12:23:28
